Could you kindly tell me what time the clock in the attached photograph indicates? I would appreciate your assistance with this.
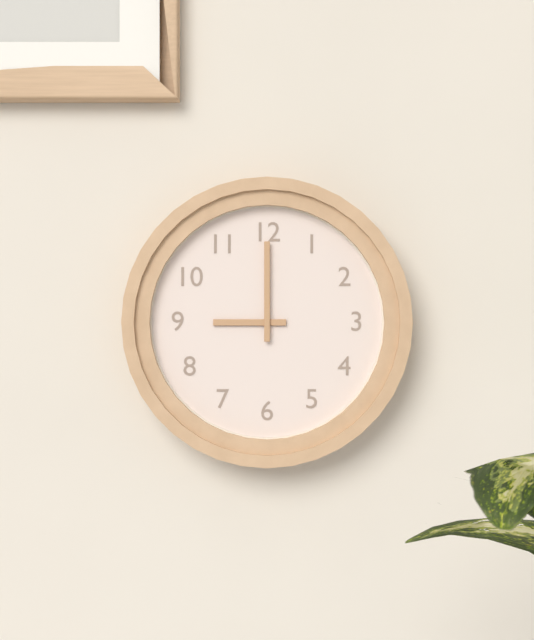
9:00
